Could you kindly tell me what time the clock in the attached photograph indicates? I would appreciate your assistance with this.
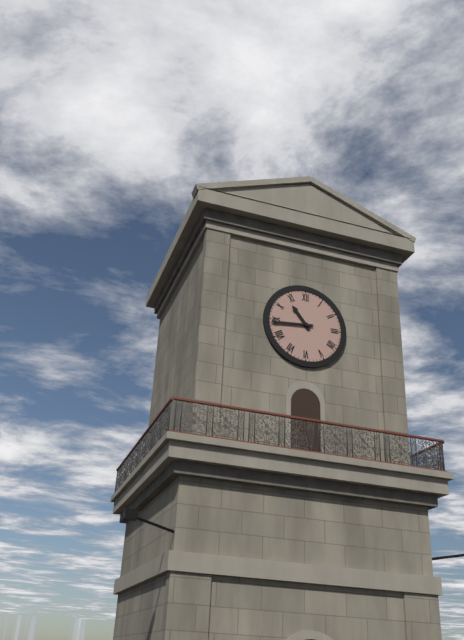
10:44
